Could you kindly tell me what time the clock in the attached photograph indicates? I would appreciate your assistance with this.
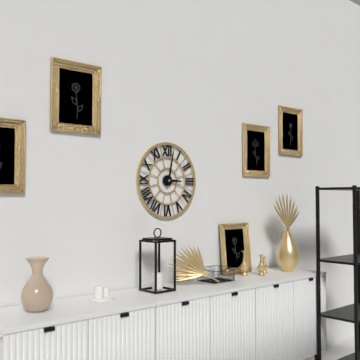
3:02
